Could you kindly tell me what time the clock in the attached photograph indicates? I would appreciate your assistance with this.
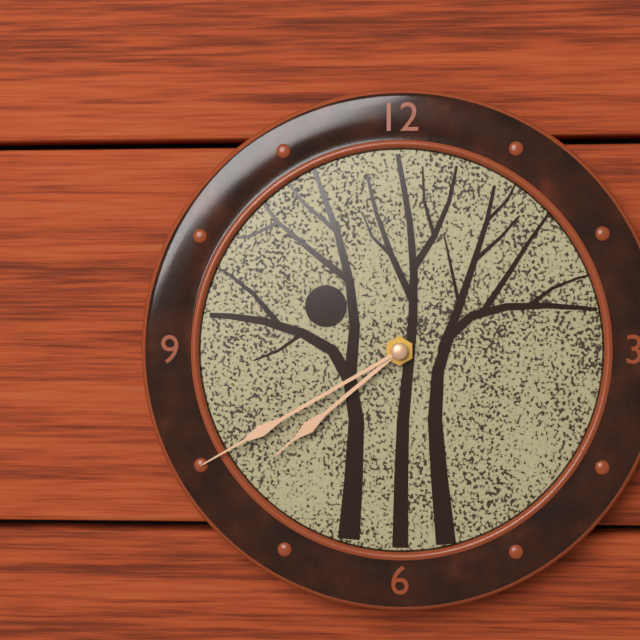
7:40
